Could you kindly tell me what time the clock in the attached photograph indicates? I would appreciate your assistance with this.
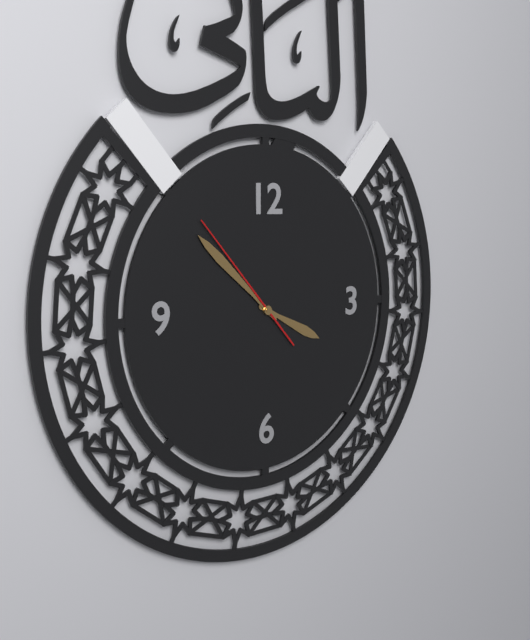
3:52:53
